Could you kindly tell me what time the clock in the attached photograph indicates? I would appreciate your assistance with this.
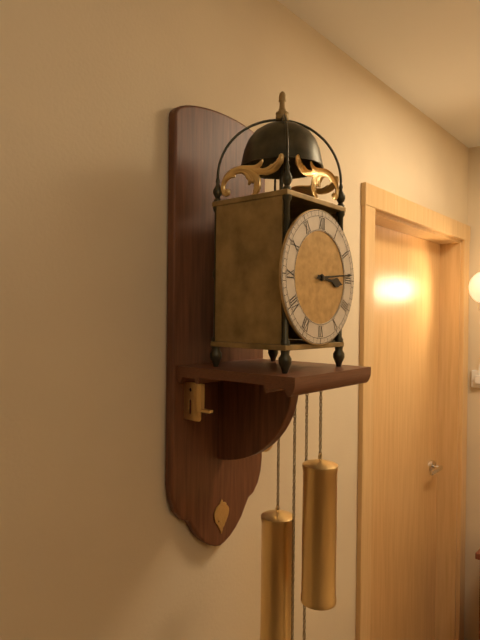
3:14
